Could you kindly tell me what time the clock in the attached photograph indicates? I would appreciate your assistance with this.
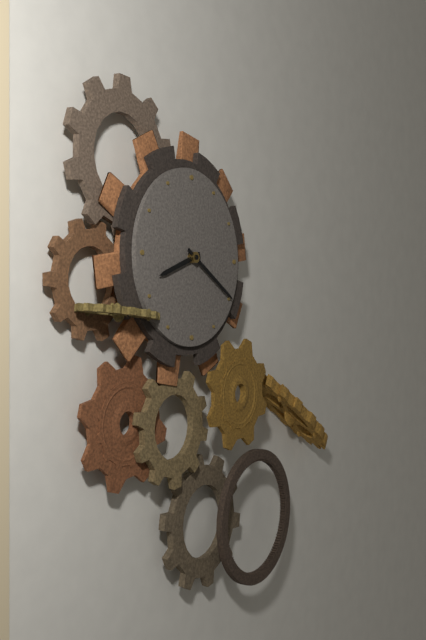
8:20
